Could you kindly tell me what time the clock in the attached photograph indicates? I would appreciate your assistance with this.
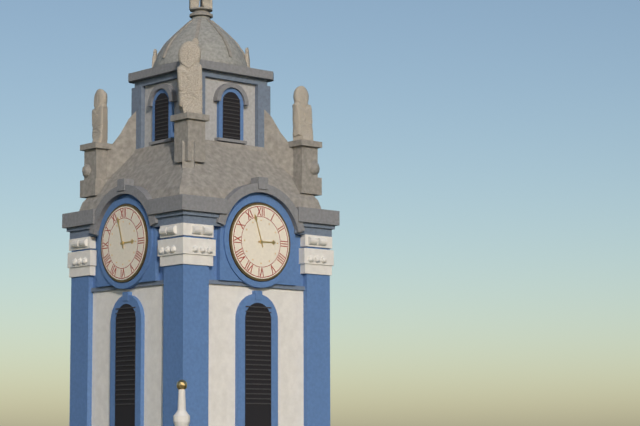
2:57
